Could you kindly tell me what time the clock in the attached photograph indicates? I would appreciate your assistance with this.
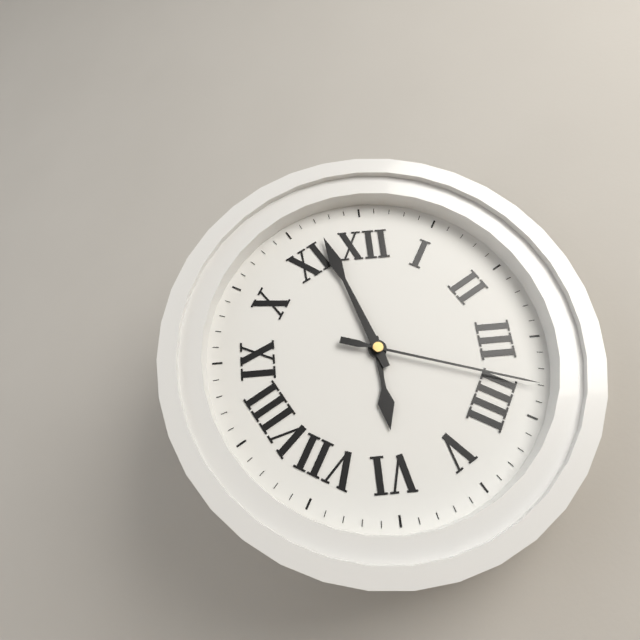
5:57:18
